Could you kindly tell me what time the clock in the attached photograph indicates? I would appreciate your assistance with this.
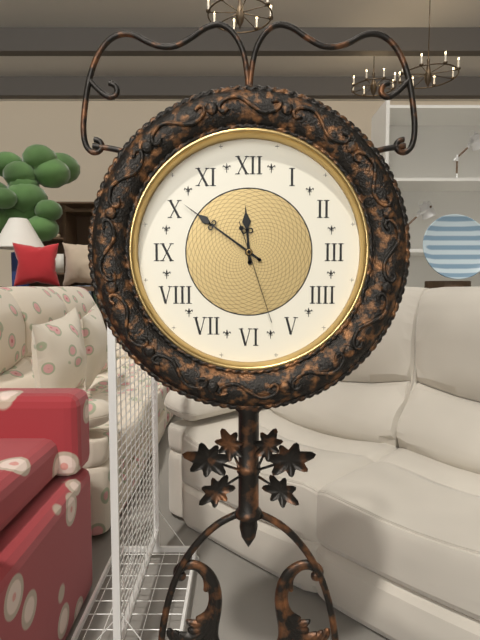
11:51:27
